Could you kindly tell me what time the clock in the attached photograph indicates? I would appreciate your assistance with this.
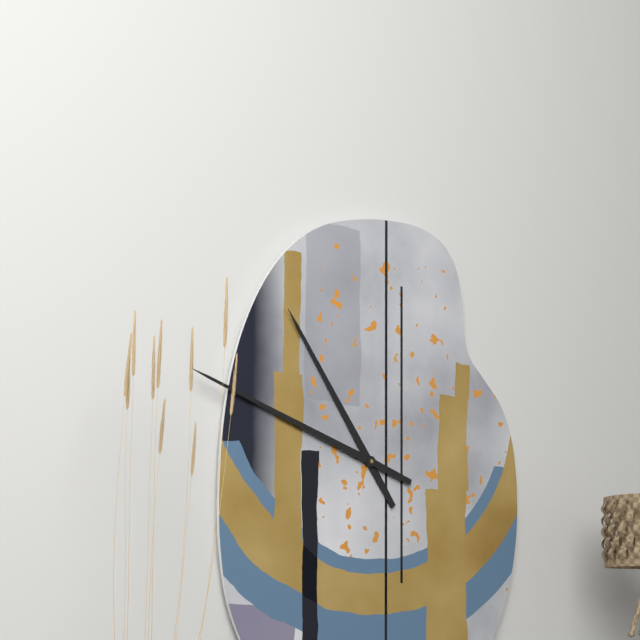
10:48
